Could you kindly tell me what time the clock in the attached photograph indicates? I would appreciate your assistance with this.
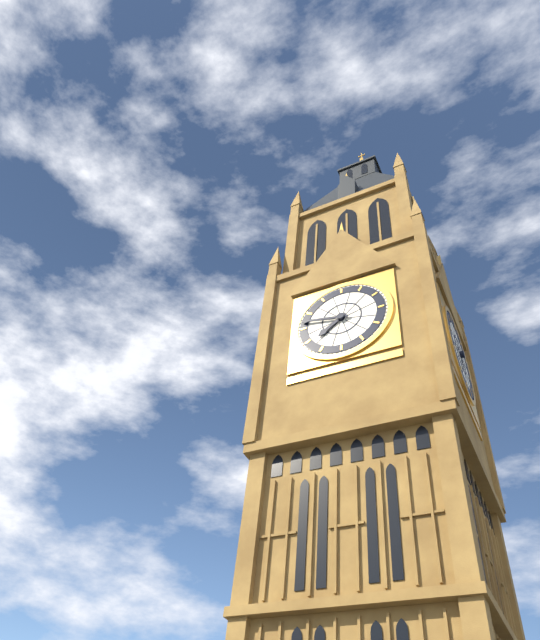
7:47
